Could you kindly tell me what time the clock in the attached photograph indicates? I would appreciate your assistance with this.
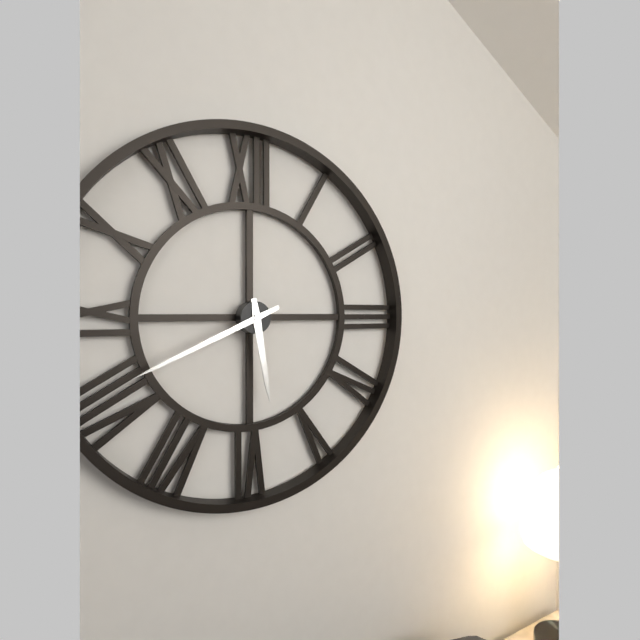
5:41
